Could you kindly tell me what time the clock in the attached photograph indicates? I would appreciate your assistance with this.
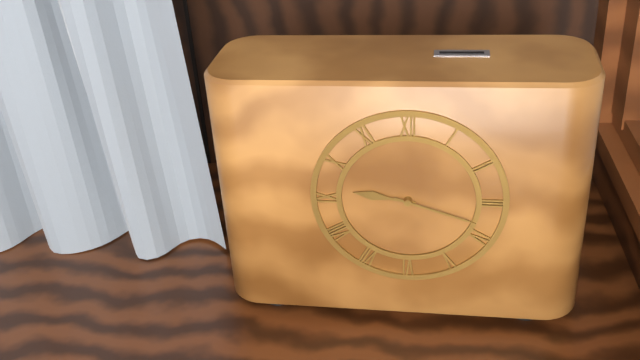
9:18
